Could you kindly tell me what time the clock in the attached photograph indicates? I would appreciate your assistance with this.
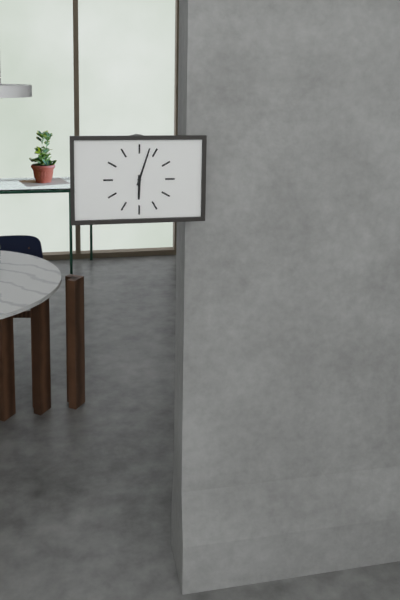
6:03
